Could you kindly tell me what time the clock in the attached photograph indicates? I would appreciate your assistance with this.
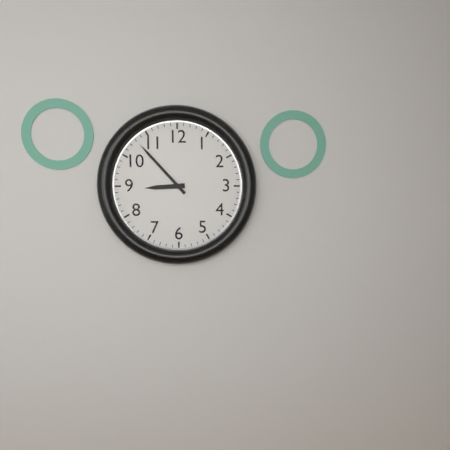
8:53
